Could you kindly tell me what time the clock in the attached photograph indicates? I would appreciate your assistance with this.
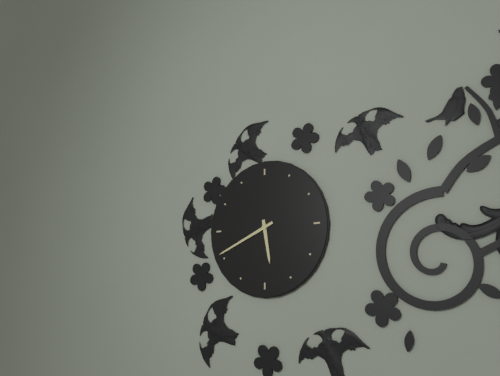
5:41
